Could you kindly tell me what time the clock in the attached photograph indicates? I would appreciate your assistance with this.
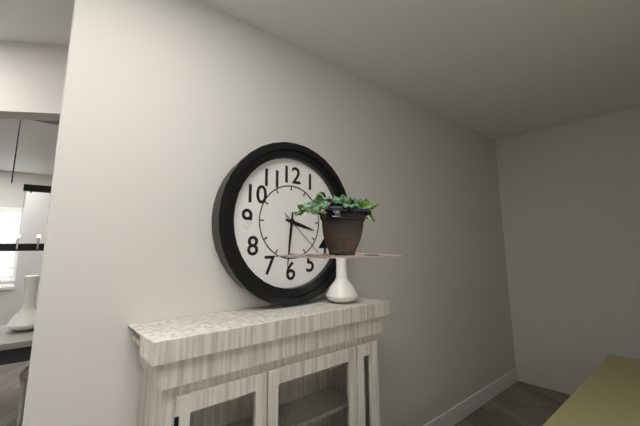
3:31:22
